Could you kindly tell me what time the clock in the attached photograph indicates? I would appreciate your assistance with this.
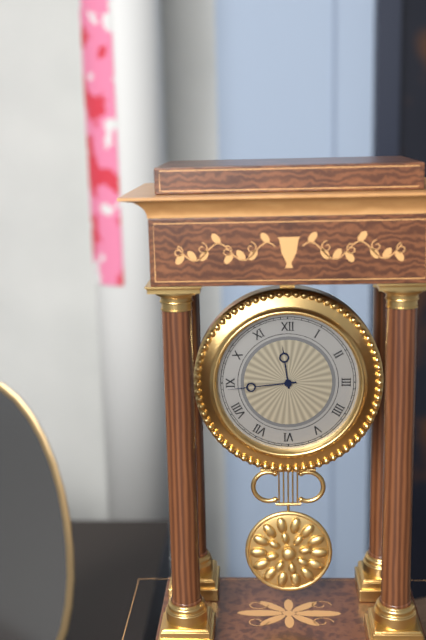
11:44
